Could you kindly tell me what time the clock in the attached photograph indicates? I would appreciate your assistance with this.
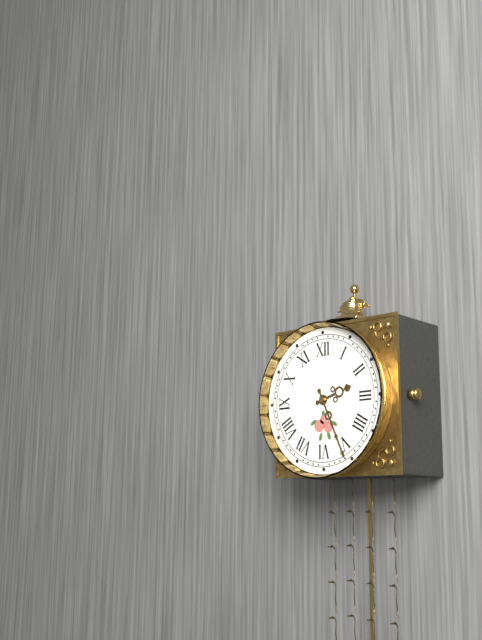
2:26
